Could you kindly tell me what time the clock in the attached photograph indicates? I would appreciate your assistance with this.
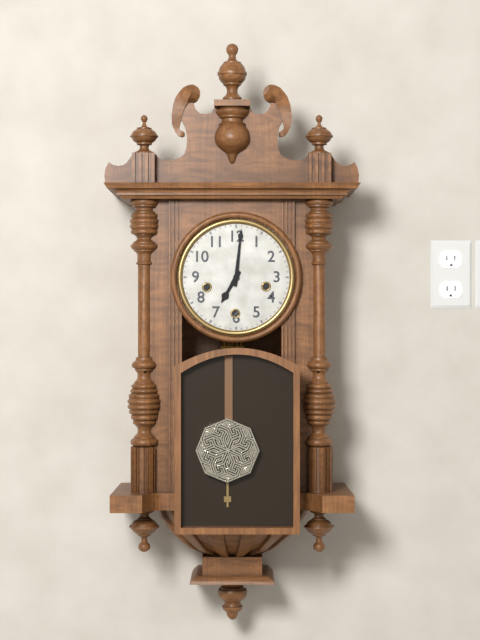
7:01
